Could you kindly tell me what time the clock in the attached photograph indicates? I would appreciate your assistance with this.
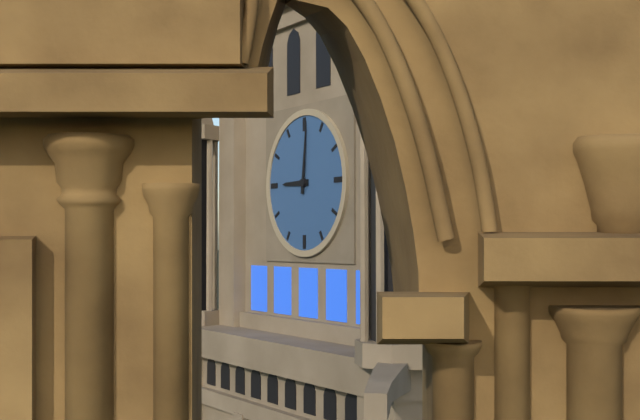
9:01
